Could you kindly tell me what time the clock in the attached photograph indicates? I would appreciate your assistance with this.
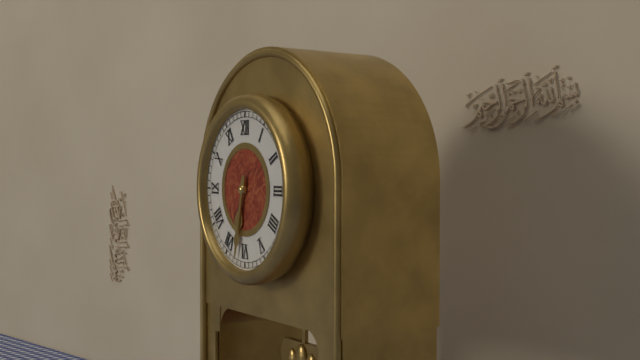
6:32
